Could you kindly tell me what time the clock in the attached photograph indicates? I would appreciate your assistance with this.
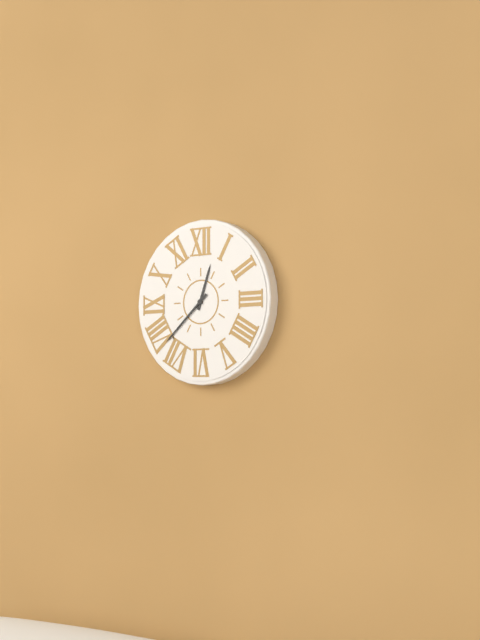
12:38
